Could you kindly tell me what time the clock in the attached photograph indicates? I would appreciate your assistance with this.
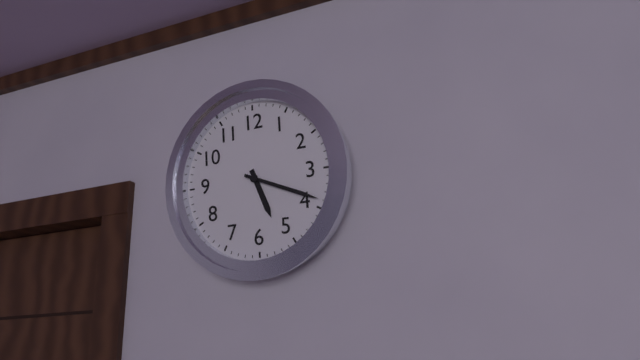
5:19
